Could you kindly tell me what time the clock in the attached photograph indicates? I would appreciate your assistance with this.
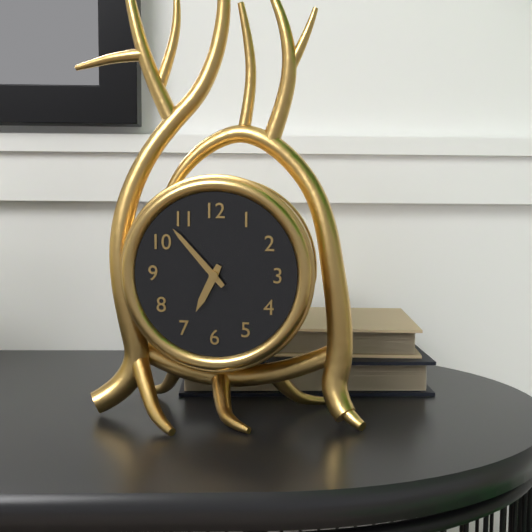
6:53
